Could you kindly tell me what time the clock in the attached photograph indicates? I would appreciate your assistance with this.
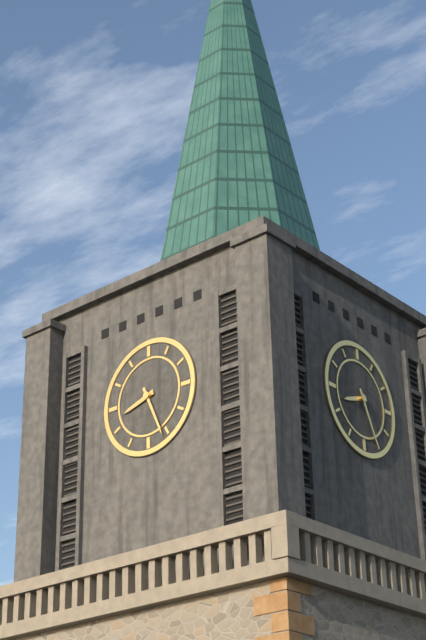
8:26
